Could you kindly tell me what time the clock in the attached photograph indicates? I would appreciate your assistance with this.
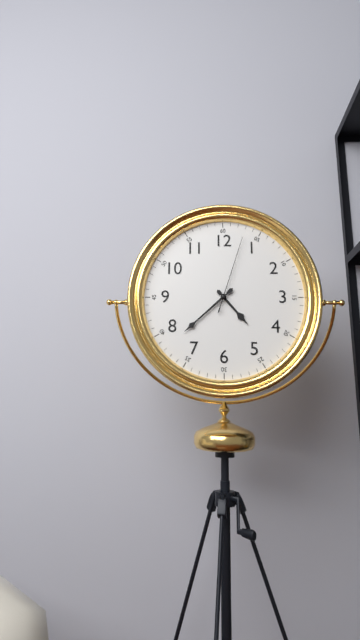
4:38:03
